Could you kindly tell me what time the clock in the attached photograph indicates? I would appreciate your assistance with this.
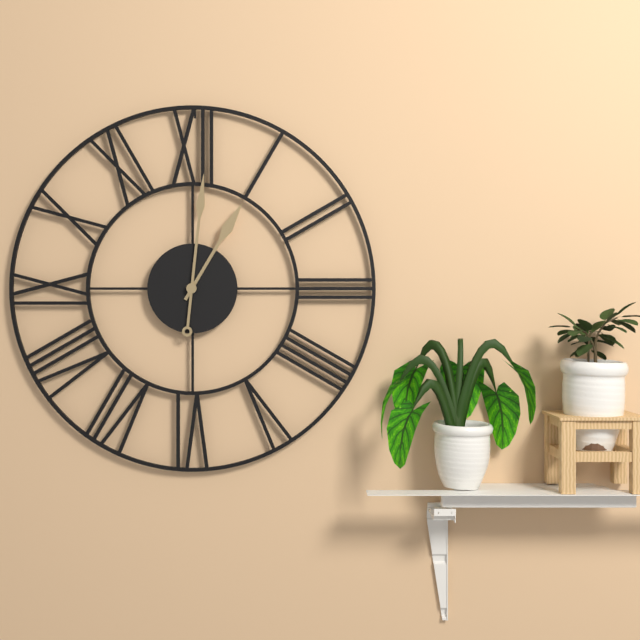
1:01
